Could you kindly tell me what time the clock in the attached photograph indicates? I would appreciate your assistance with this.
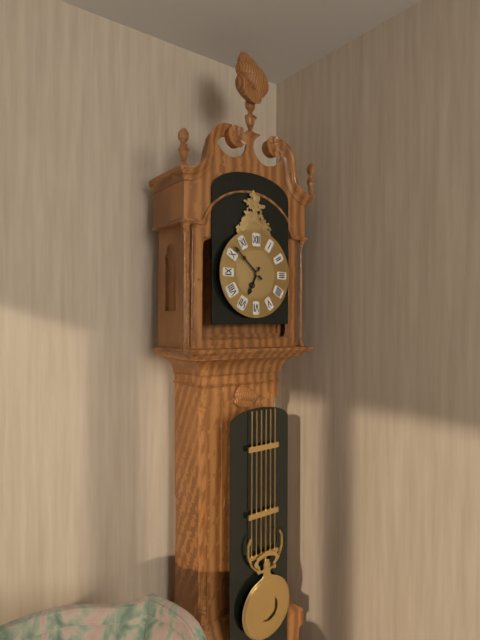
6:52
